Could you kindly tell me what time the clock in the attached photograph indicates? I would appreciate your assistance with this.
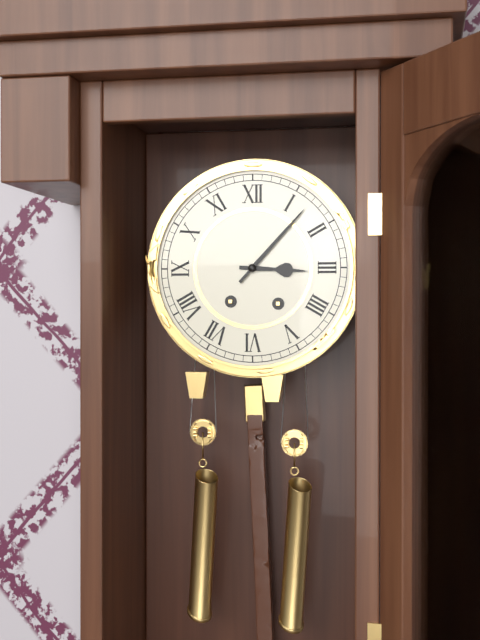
3:07
